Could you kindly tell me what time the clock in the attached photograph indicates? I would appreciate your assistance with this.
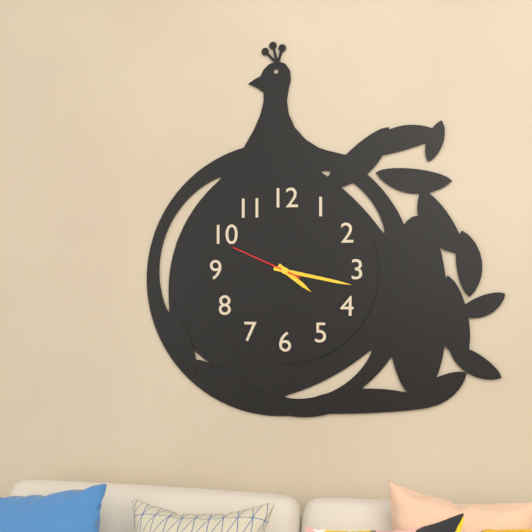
4:17:49
